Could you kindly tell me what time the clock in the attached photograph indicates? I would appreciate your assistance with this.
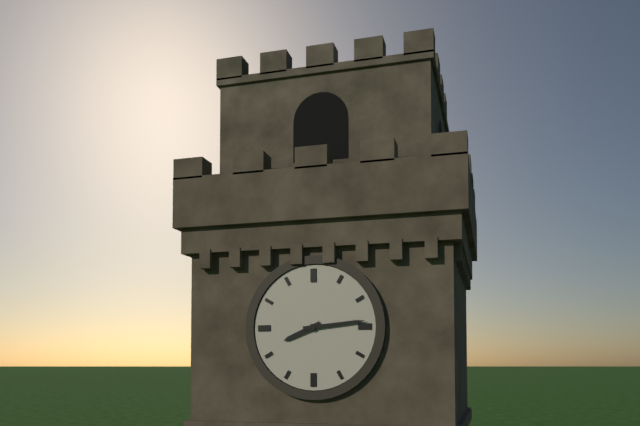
8:14
